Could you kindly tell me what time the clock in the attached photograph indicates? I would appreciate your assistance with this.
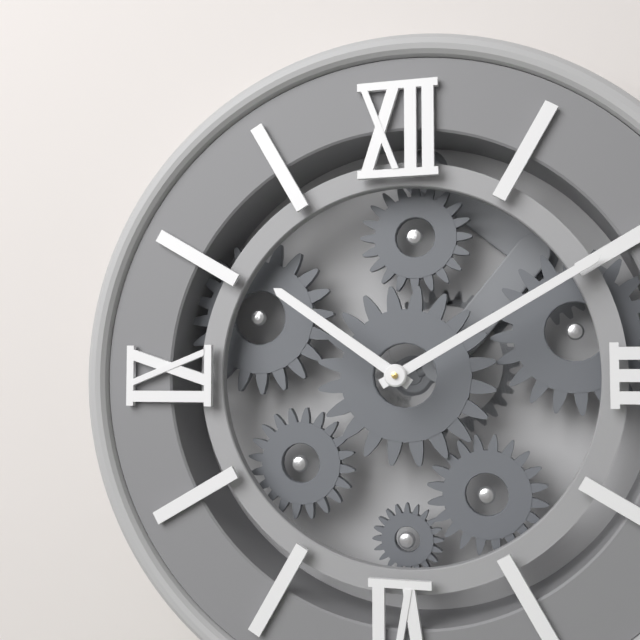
10:10
